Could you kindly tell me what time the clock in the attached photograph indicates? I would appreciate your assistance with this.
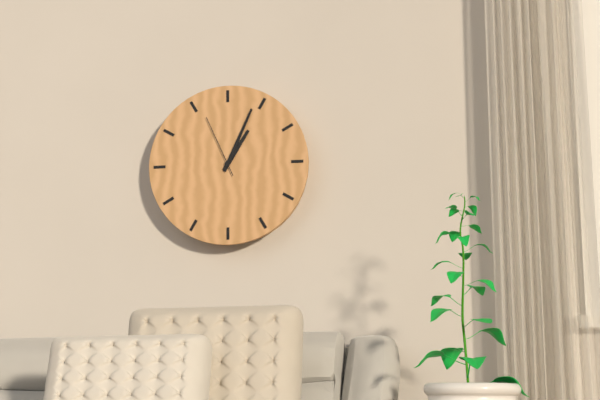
1:04:56
